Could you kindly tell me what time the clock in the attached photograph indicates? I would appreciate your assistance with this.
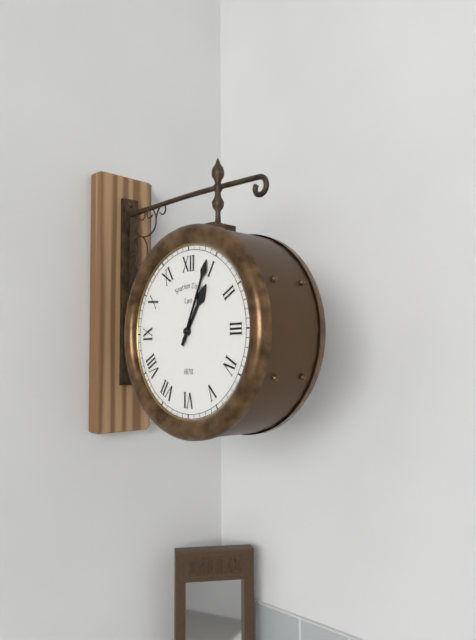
1:04
